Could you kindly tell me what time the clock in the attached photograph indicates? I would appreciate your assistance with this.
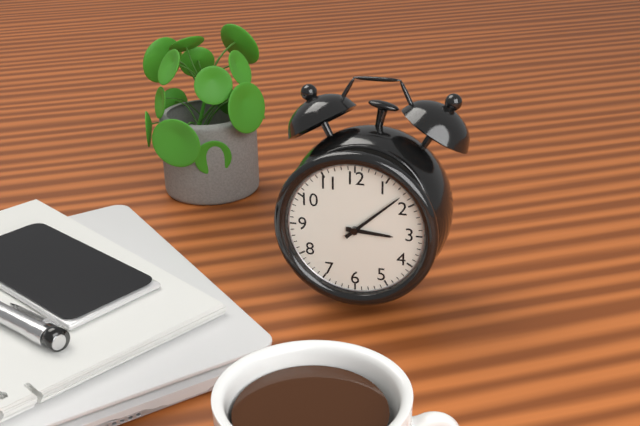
3:08
